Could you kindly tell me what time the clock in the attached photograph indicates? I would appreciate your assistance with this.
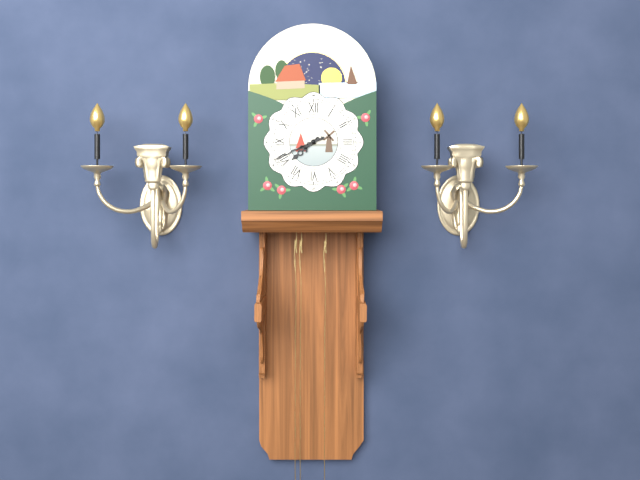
7:41
